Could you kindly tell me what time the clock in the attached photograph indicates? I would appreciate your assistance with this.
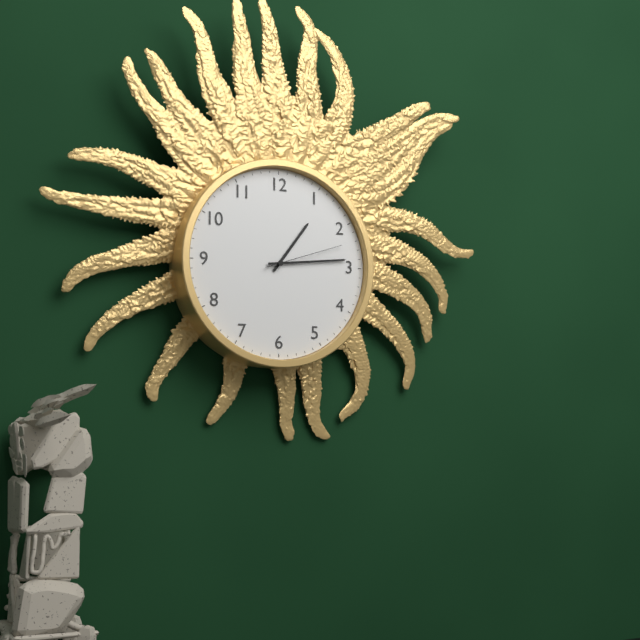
1:14:12
